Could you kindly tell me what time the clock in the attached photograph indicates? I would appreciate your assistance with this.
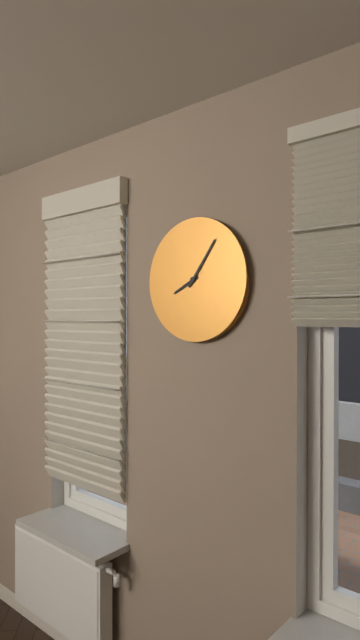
8:06
